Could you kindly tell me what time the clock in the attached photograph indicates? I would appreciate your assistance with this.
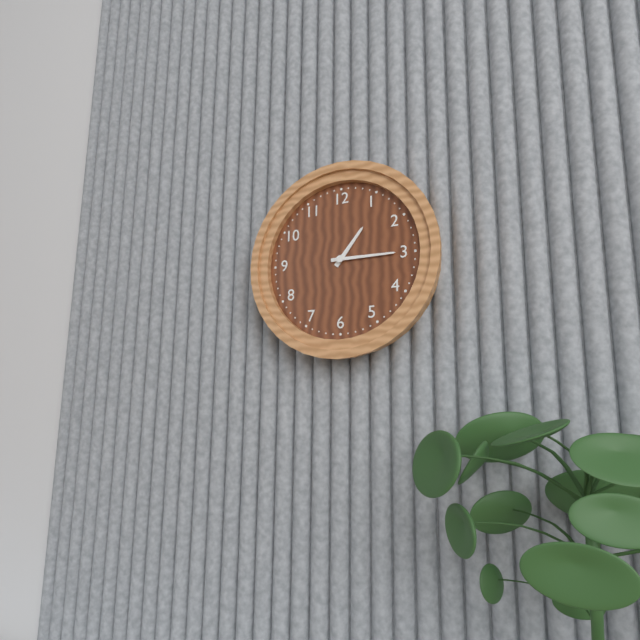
1:15
